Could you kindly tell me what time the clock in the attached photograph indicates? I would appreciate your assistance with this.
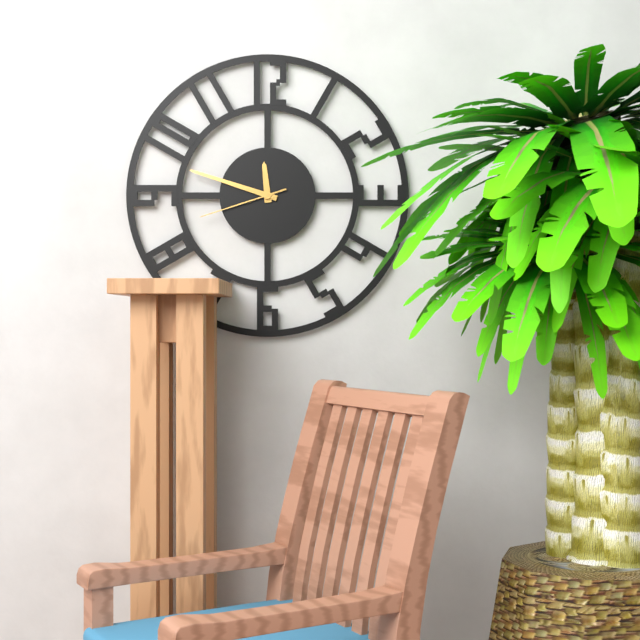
11:48:42
